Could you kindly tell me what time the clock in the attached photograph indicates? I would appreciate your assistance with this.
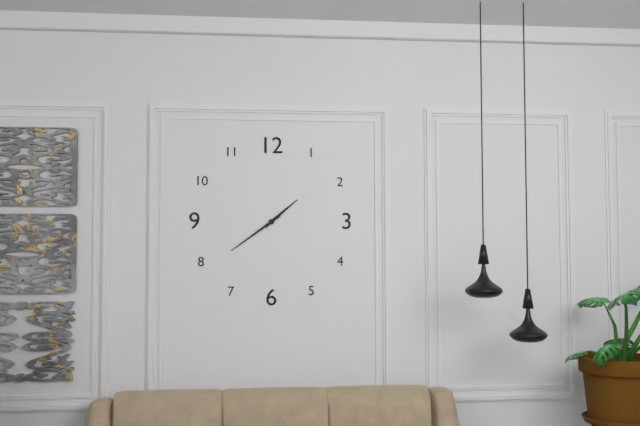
1:39
